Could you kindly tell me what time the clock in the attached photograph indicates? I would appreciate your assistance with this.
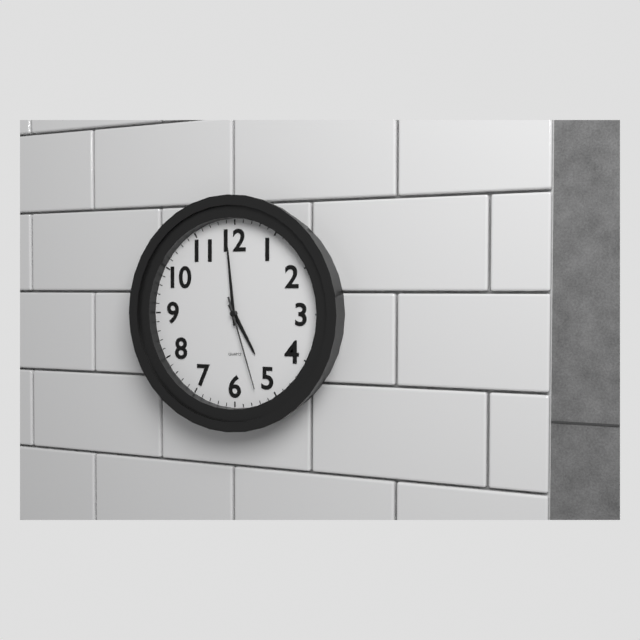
4:59:27
